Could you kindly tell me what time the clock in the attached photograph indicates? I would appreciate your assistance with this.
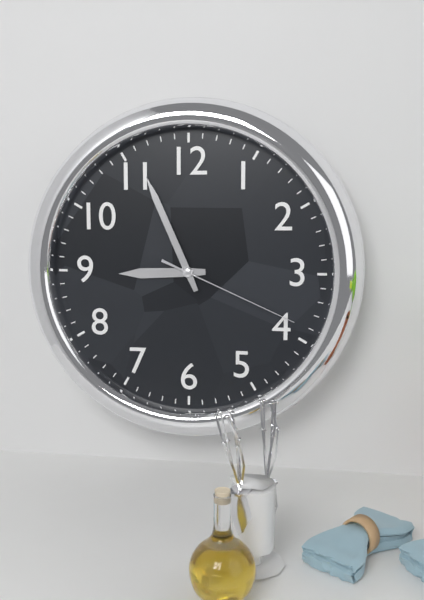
8:56:19
